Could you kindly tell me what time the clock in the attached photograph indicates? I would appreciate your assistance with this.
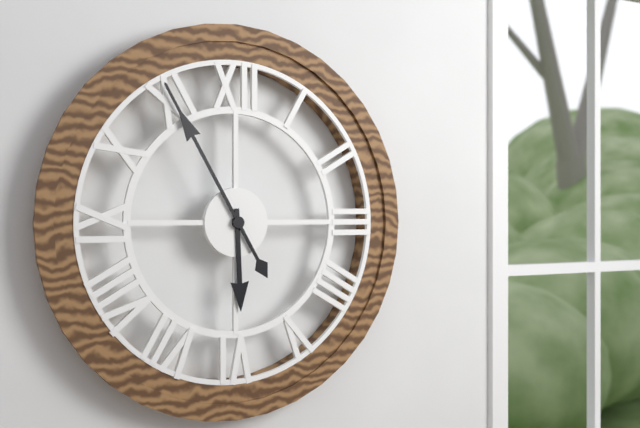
5:55
